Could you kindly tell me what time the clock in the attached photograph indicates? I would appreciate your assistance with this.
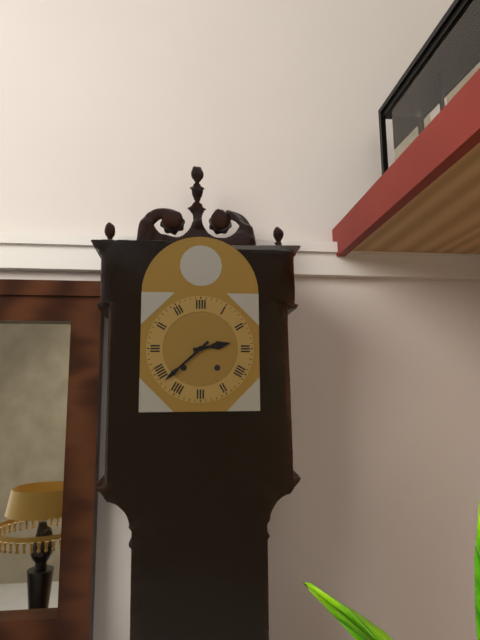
2:38
